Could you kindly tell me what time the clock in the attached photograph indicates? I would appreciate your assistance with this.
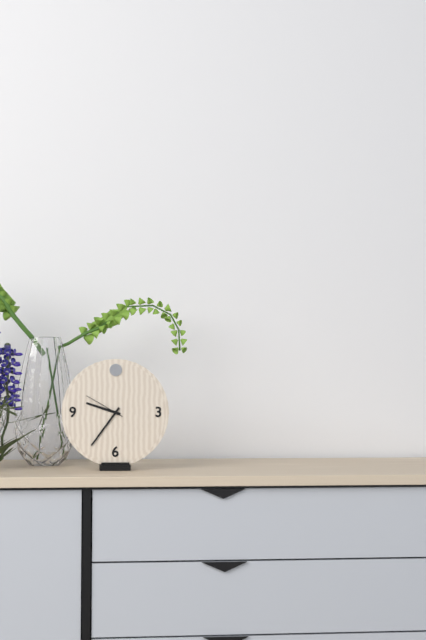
9:36
